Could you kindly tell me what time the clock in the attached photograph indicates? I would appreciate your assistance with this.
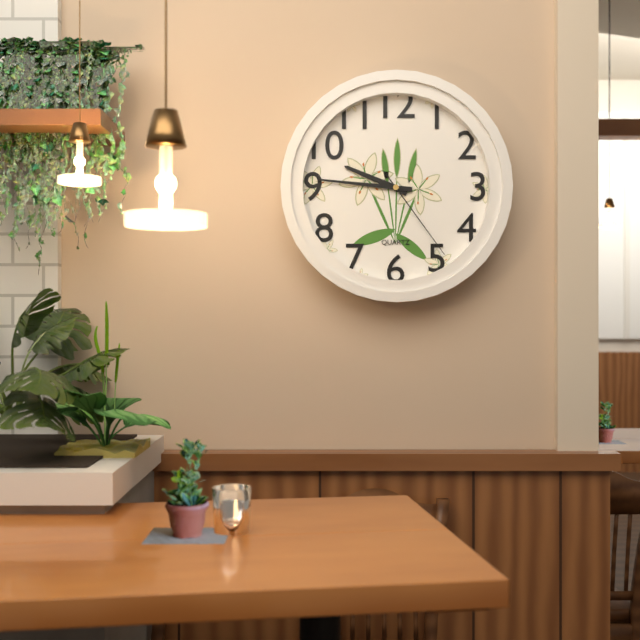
9:46:24
